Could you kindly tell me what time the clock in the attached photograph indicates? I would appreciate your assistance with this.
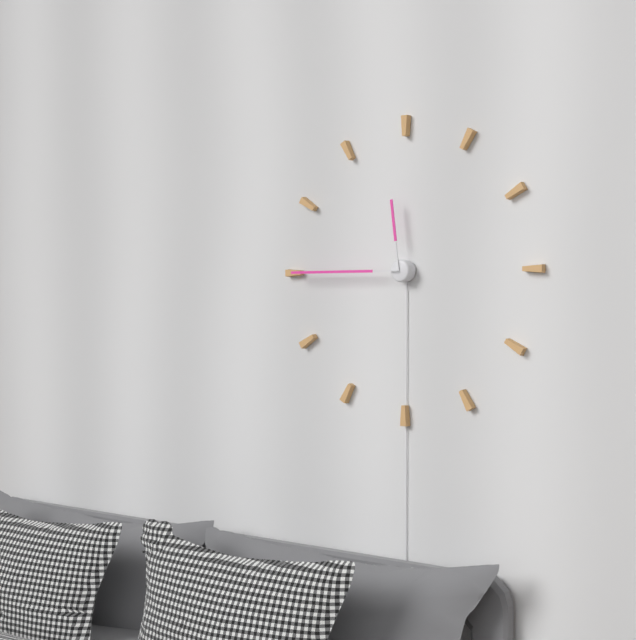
11:45
